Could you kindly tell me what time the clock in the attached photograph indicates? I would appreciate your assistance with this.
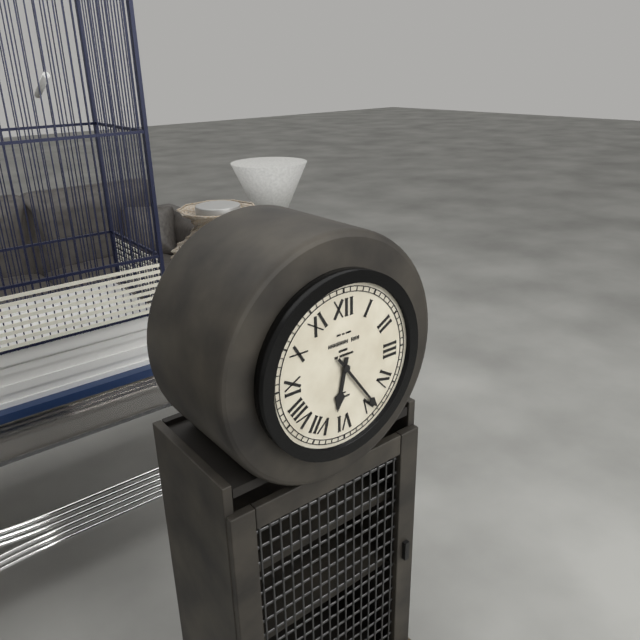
6:24
